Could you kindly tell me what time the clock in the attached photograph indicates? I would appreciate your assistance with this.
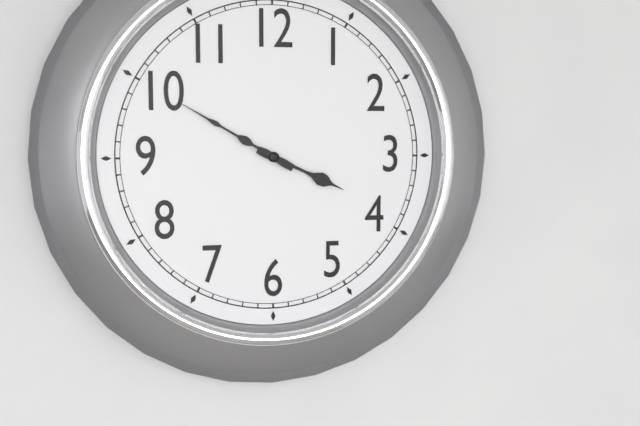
3:50
